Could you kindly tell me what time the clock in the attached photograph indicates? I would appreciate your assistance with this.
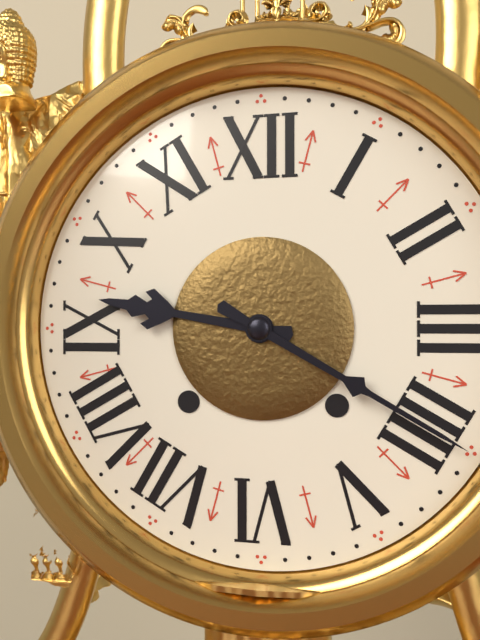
9:20
